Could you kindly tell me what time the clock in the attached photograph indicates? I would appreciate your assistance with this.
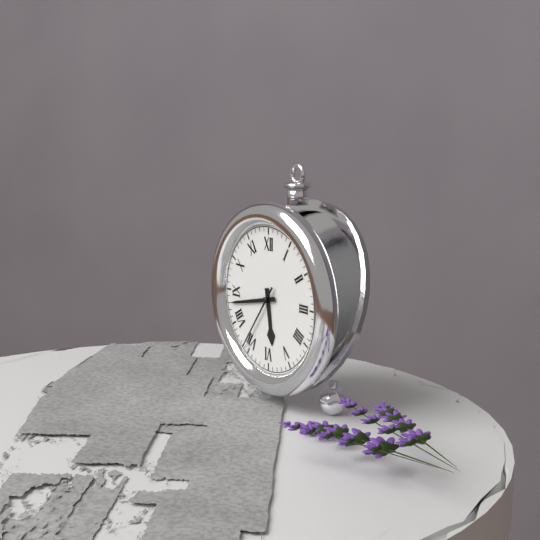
5:43:36
